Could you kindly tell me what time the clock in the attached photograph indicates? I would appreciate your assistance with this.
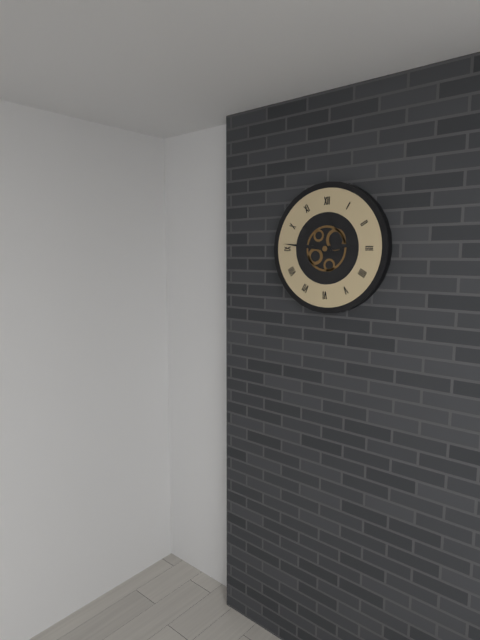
2:46
